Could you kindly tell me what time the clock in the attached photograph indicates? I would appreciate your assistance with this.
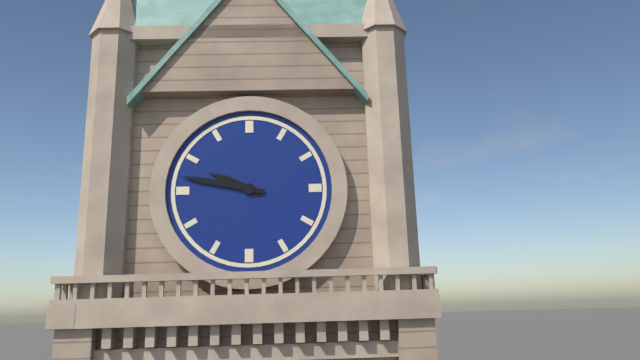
9:47
